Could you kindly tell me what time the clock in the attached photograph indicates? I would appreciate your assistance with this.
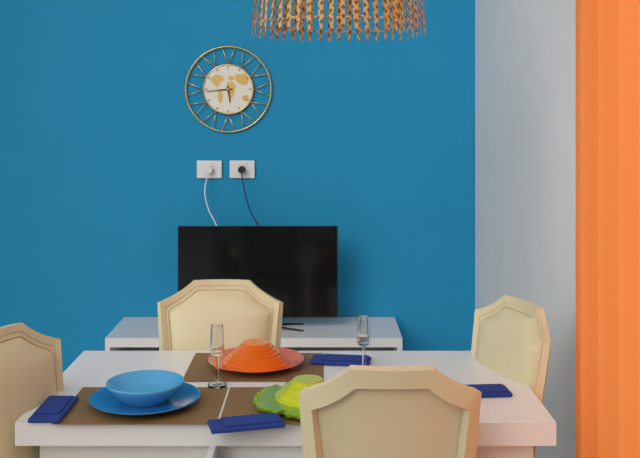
5:44
